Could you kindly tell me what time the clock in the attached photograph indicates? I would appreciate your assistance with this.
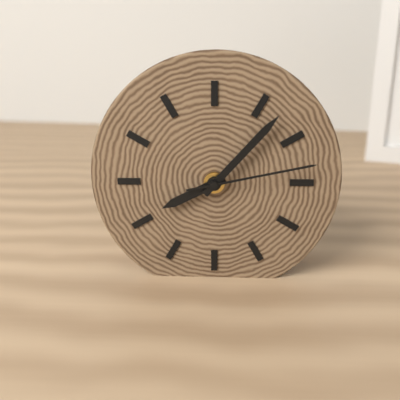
8:07:13
